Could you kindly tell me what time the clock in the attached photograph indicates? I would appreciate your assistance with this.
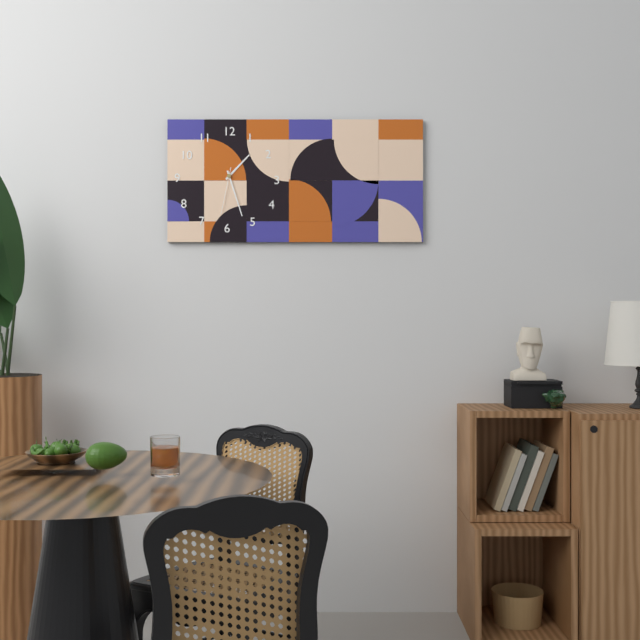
1:27
